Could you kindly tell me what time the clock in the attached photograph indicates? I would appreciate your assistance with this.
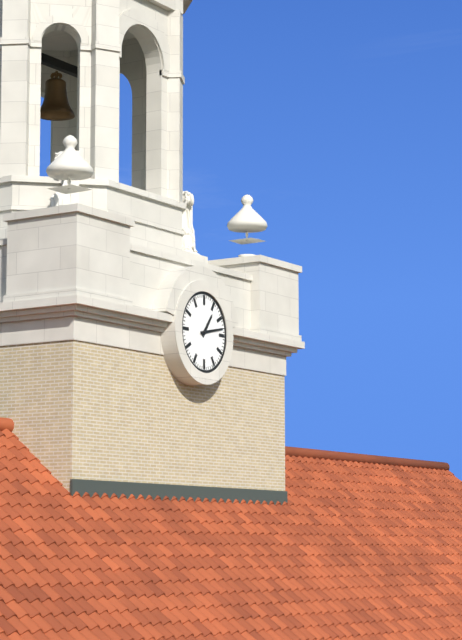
1:13
